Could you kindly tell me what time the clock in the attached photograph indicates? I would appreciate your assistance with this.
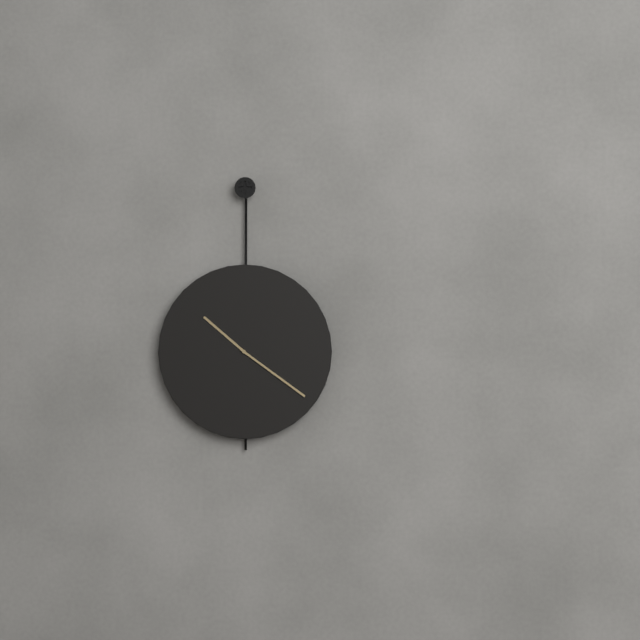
10:21
